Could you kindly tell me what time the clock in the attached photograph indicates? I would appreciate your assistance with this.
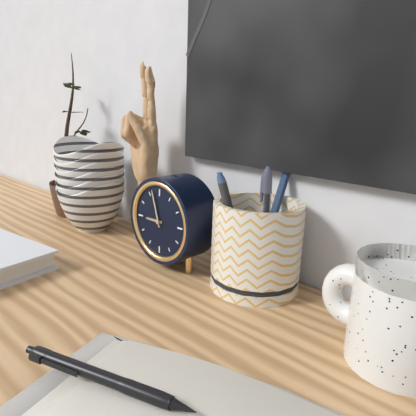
8:57
